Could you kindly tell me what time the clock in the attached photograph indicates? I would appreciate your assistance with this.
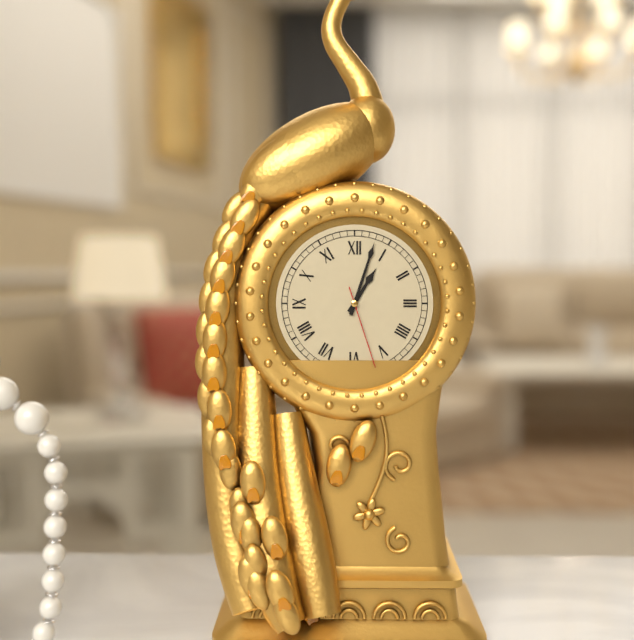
1:03:27
